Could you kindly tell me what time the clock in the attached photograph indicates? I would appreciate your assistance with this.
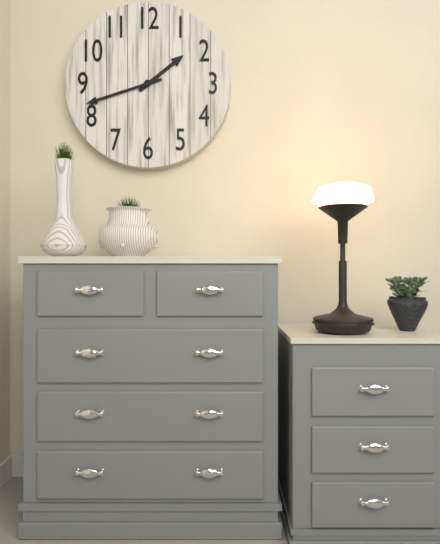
1:42
